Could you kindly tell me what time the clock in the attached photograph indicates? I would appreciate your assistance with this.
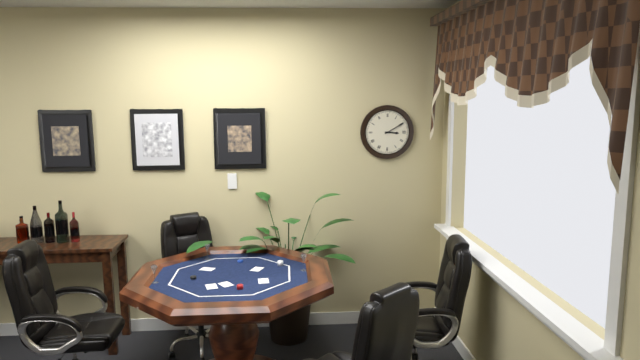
3:10
